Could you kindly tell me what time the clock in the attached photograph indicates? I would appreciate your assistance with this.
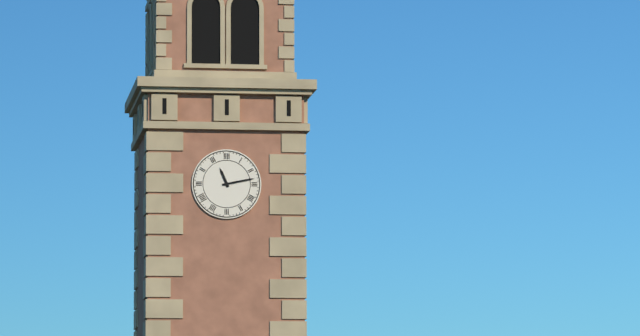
11:13
